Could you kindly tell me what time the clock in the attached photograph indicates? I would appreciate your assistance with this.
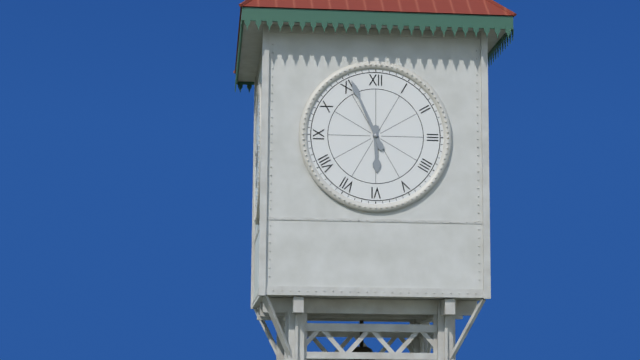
5:56
